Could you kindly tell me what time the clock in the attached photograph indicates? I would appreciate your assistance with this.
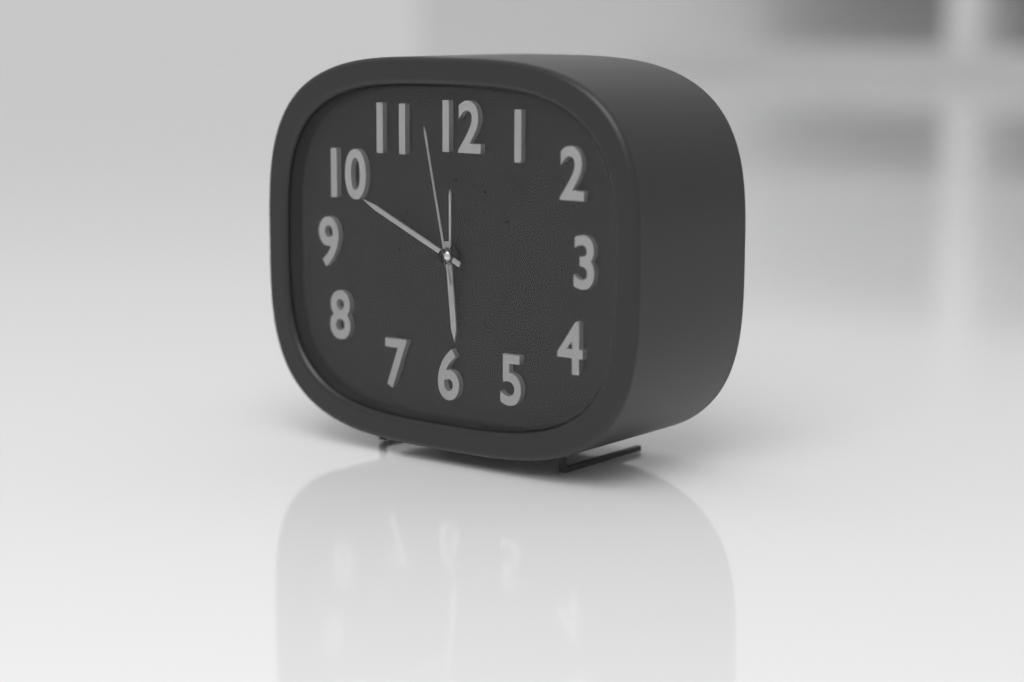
5:49:58
